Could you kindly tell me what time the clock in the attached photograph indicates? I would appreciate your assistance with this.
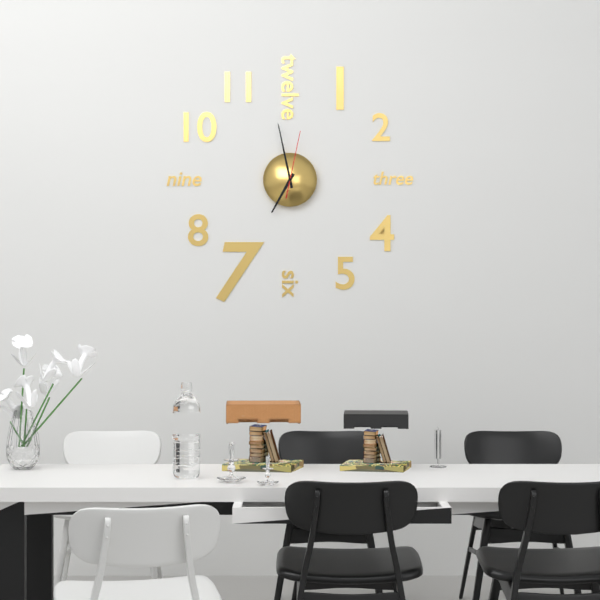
6:58:02
